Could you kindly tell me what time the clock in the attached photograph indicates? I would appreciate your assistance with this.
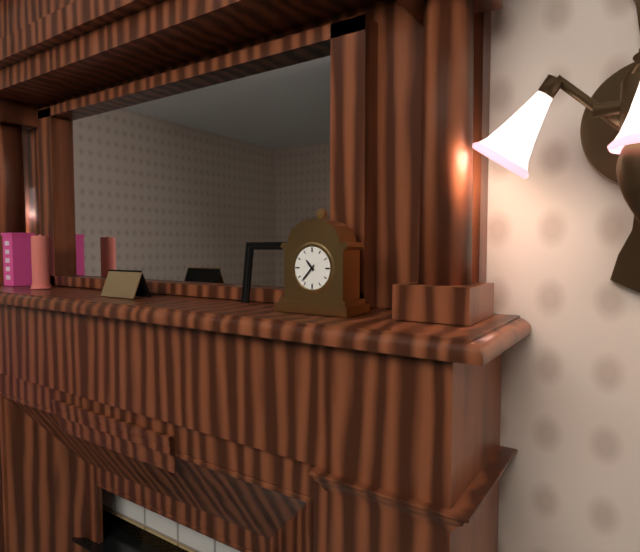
10:37
